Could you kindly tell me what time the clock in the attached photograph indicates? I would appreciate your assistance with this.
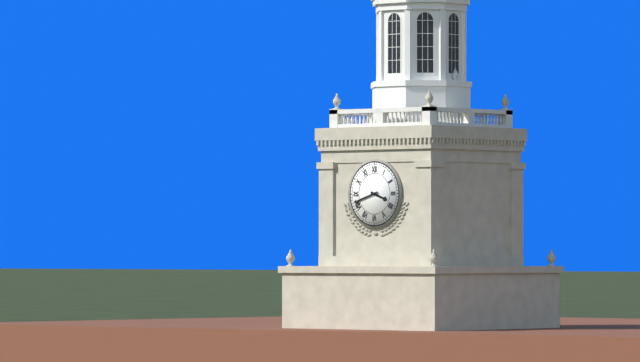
3:42
